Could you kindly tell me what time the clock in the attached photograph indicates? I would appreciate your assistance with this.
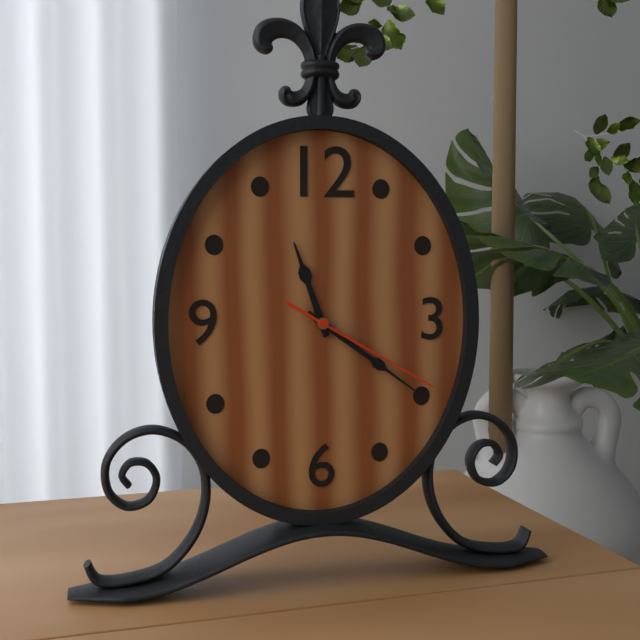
11:21:20
